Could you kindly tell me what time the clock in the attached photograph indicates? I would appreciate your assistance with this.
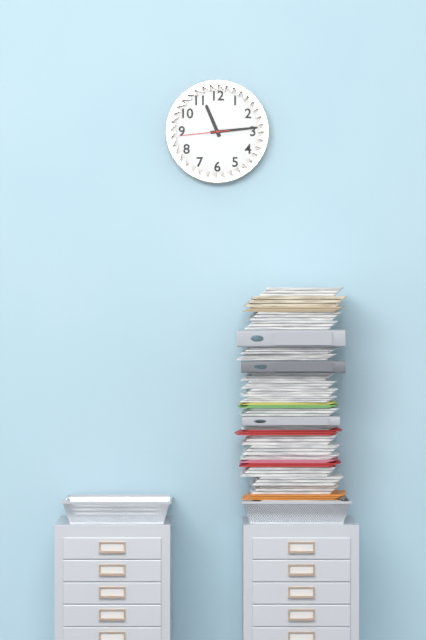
11:14
